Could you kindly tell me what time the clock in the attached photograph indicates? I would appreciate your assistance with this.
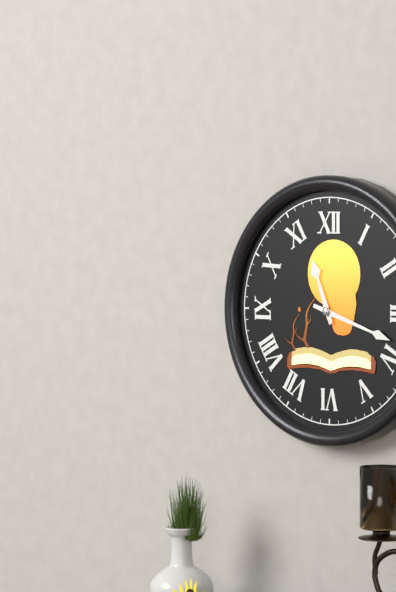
11:18
